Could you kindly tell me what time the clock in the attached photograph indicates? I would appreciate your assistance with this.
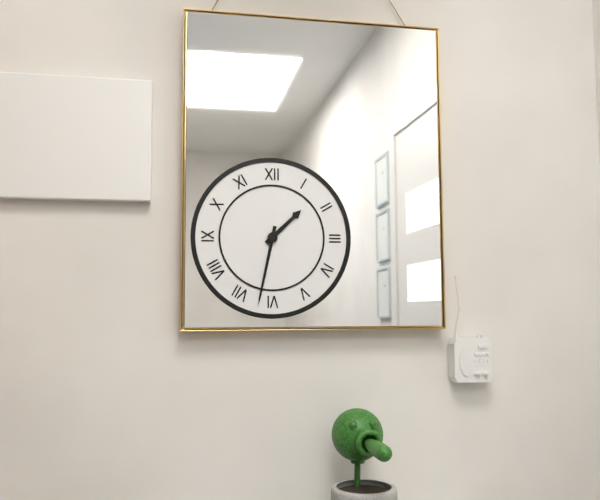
1:32
